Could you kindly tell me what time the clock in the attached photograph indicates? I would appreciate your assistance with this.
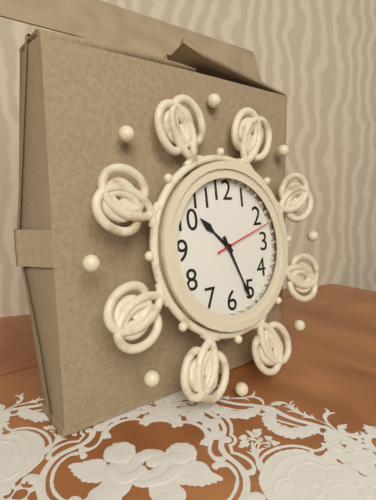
10:26:12
